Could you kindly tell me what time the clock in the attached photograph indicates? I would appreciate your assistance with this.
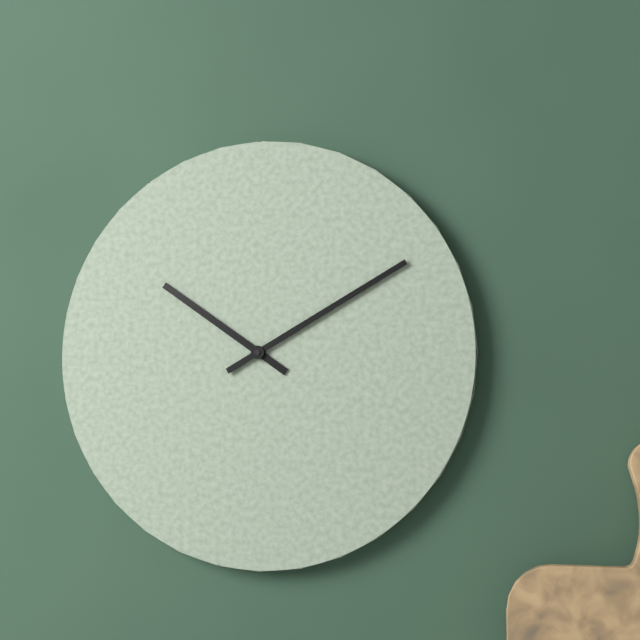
10:10
